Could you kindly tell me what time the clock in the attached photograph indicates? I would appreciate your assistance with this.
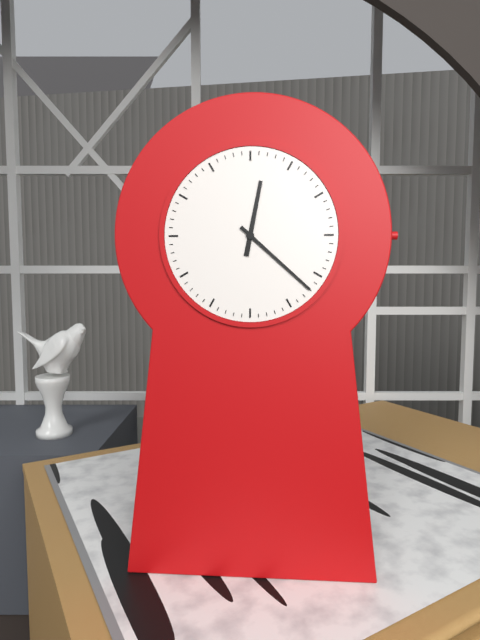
12:22
